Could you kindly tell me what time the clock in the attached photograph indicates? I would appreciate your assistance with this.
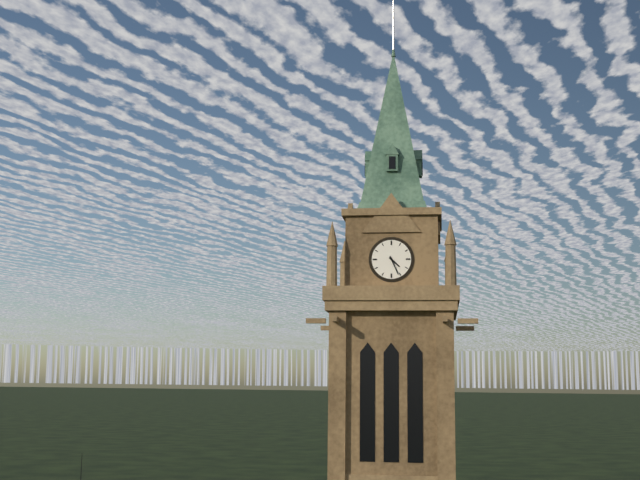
4:26
